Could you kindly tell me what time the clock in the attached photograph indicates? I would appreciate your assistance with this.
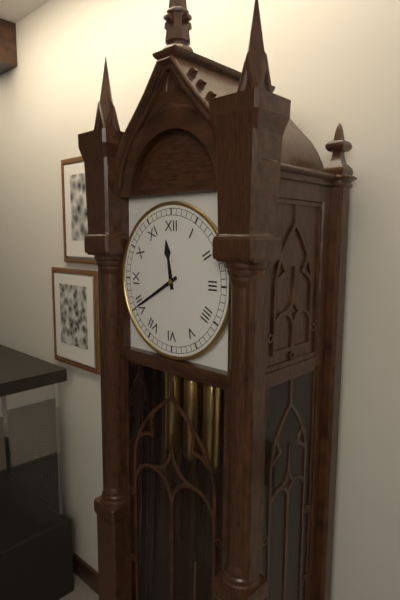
11:40
